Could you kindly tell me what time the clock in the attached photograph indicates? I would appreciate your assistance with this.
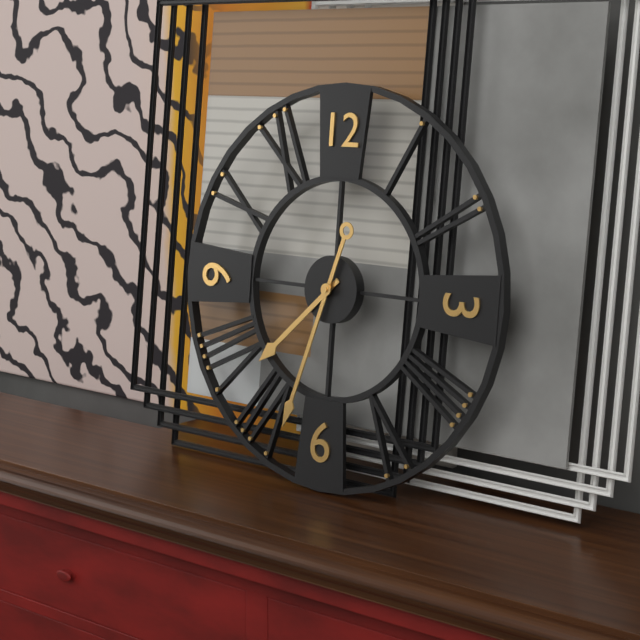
7:33
